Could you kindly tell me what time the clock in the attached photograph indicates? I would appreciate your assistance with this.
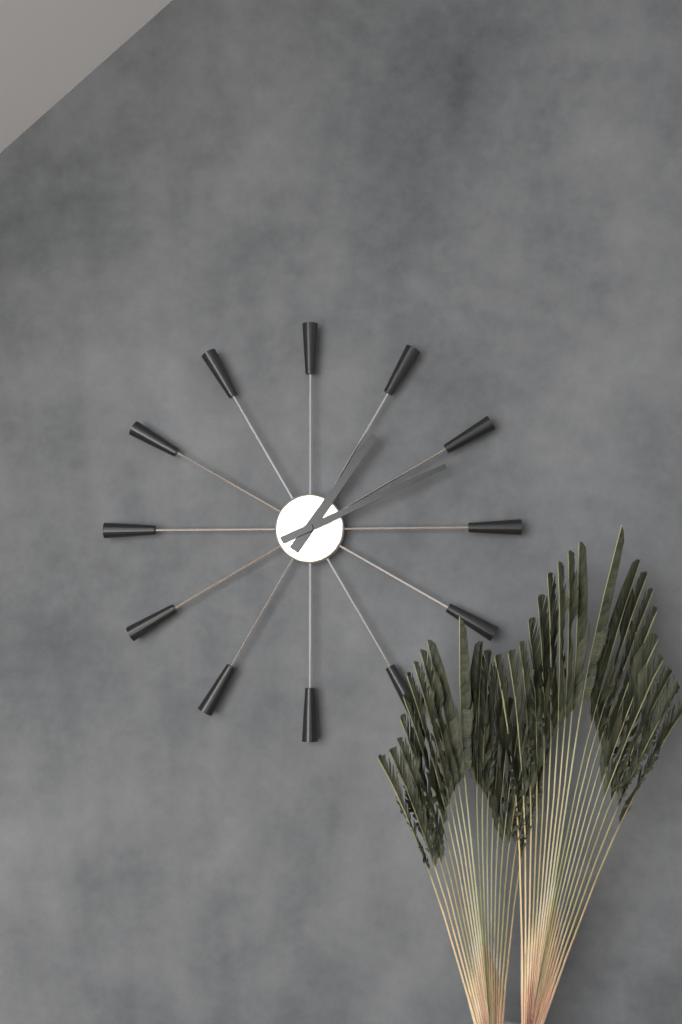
1:11
